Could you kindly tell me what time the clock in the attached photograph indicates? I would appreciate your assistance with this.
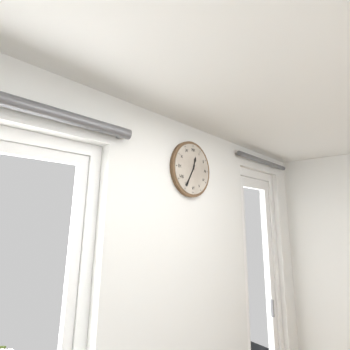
12:35
